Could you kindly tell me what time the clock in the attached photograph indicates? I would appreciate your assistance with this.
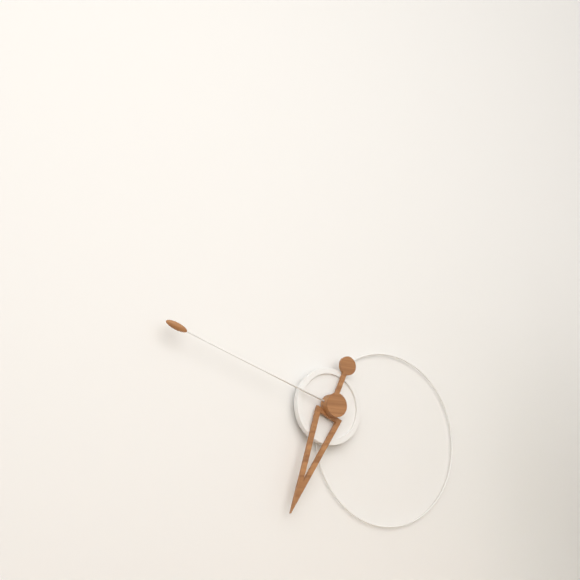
6:48
